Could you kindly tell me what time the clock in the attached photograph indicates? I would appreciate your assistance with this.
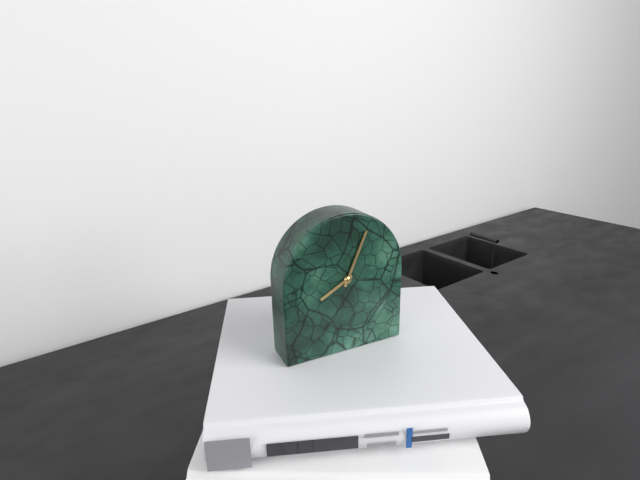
8:04
